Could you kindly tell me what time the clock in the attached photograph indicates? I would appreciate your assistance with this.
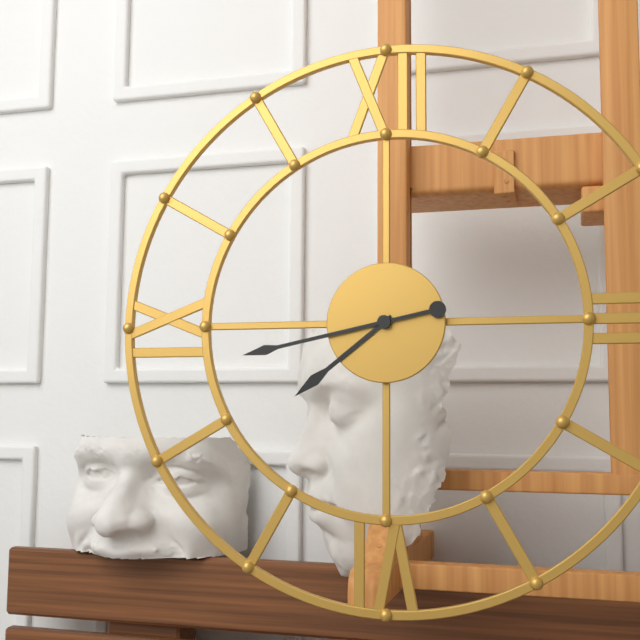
7:43
